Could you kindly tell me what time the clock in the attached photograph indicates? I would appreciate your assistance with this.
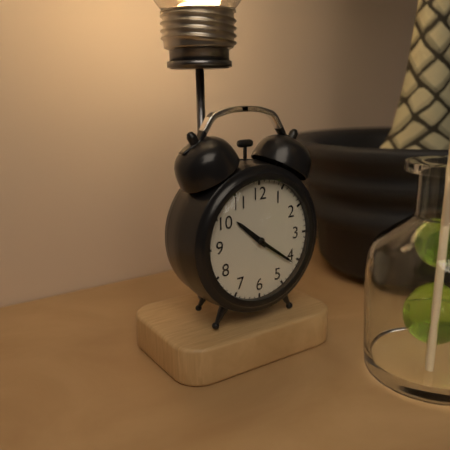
10:21
